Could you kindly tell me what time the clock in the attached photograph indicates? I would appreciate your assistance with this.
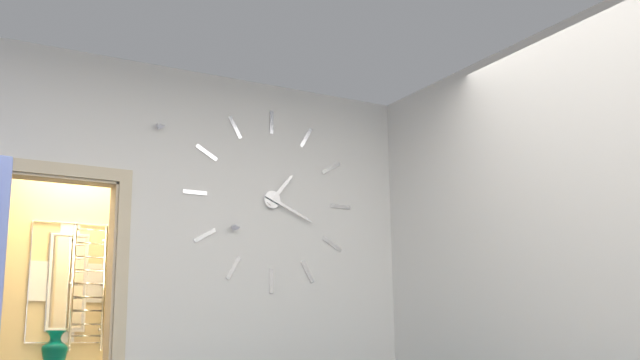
1:19
